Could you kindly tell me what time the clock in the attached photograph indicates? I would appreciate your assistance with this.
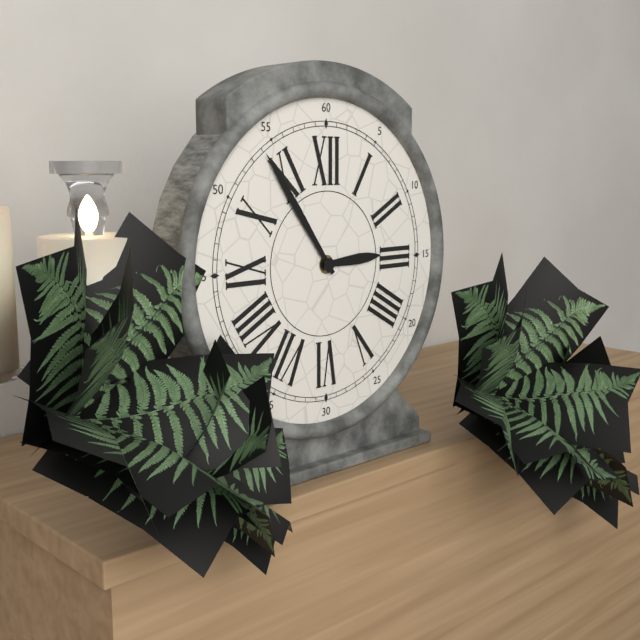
2:54
